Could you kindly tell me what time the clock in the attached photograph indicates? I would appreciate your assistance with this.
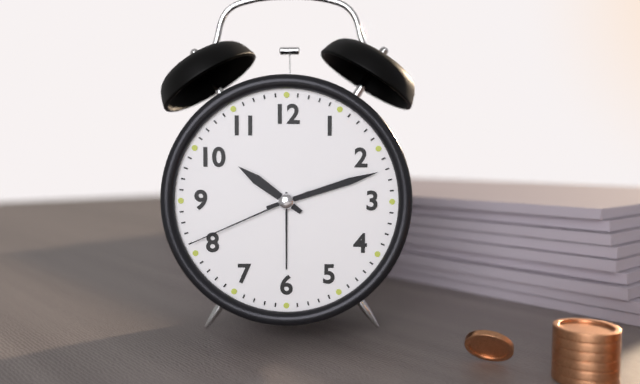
10:12:41
